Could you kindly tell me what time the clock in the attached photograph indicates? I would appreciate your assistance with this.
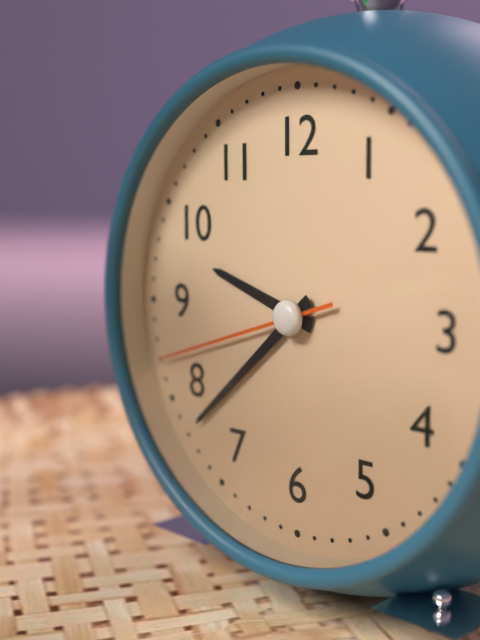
9:38:42
